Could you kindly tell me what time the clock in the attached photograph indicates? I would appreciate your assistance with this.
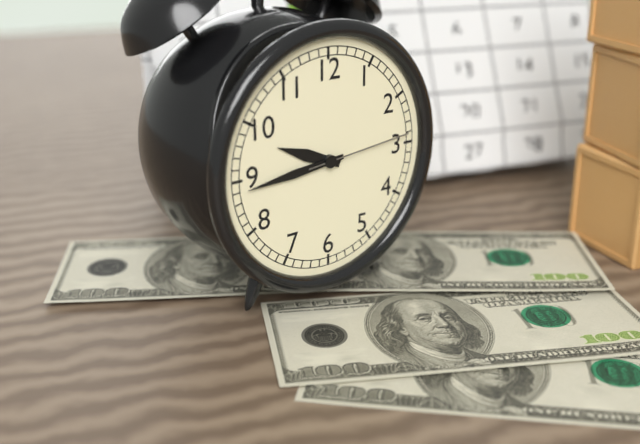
9:44:14
